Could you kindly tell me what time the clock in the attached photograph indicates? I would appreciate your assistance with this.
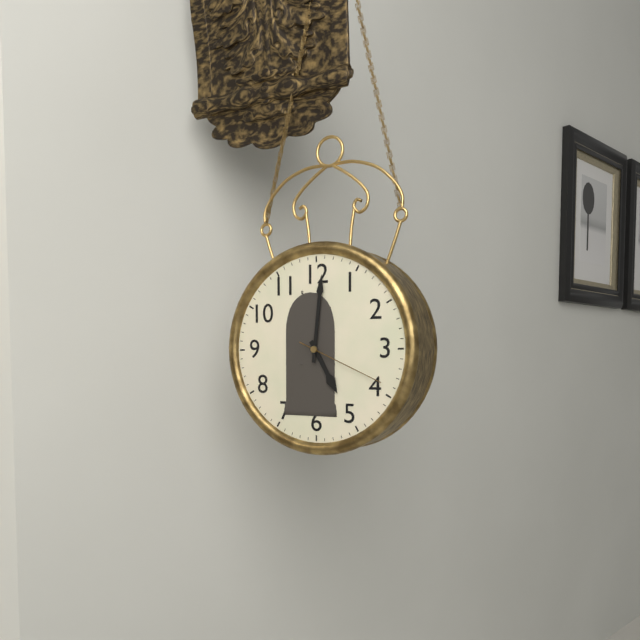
5:01:19
